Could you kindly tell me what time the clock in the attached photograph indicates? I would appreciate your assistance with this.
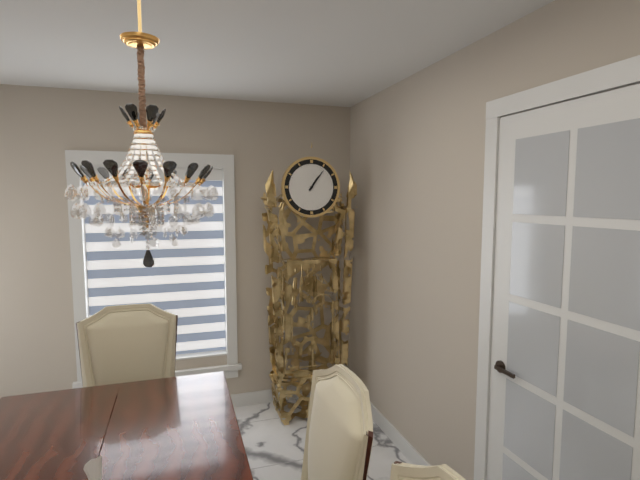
1:06
